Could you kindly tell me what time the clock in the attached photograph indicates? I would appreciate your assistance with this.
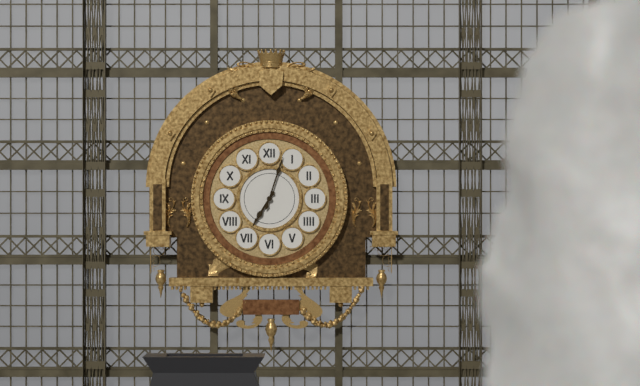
7:03
